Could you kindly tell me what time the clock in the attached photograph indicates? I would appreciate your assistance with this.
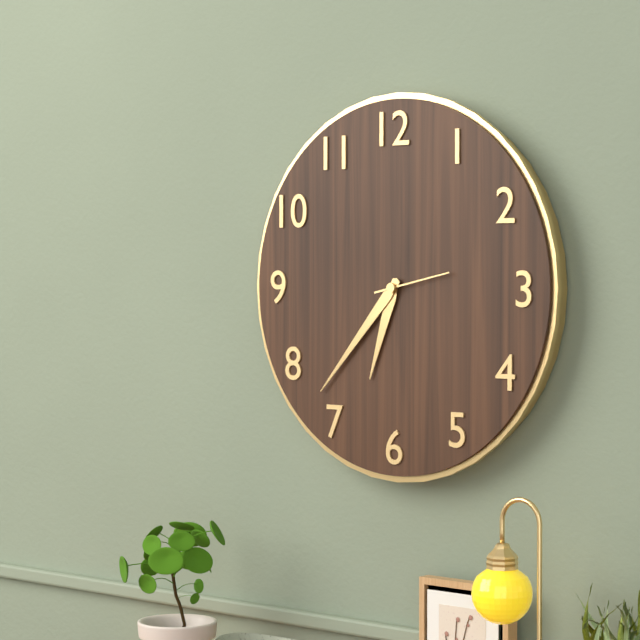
6:37:13
